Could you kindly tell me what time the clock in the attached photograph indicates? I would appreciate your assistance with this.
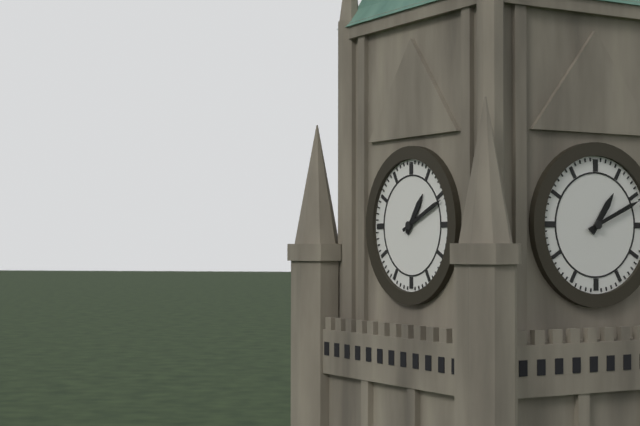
1:11
